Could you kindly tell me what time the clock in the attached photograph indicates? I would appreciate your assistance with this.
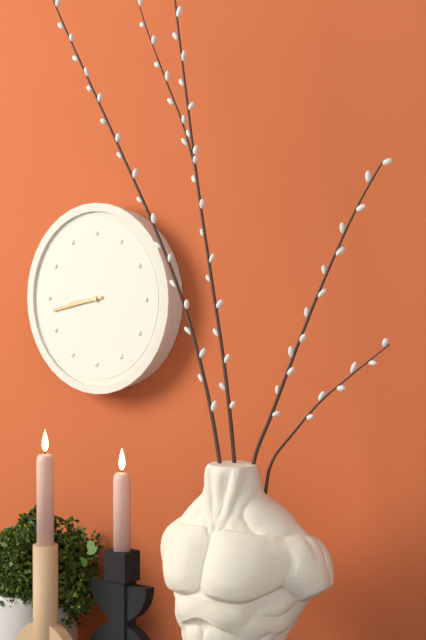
8:43
